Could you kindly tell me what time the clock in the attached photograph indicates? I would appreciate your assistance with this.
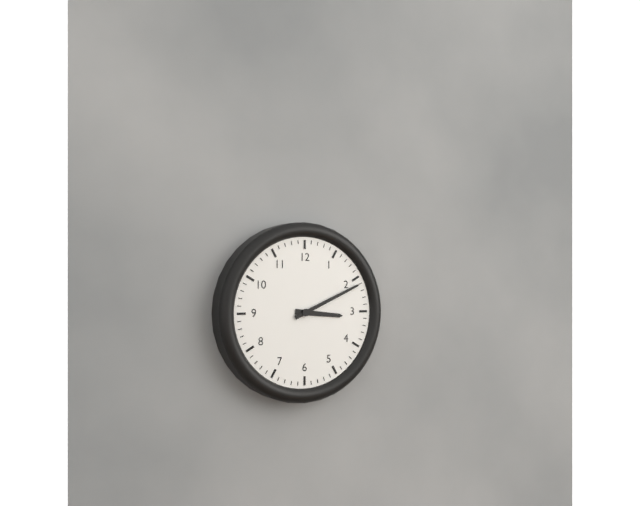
3:11
